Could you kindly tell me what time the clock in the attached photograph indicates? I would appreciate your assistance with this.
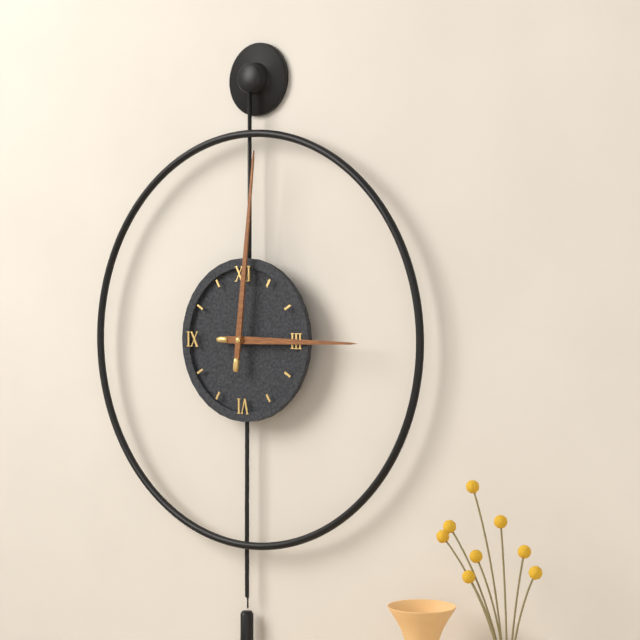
3:01
